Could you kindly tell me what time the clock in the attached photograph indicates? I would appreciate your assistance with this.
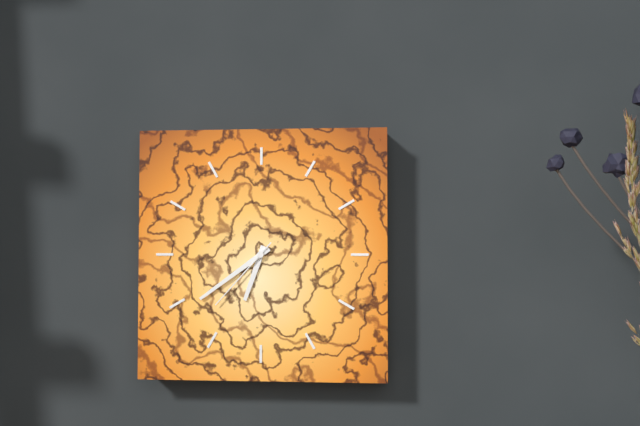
6:39:37
